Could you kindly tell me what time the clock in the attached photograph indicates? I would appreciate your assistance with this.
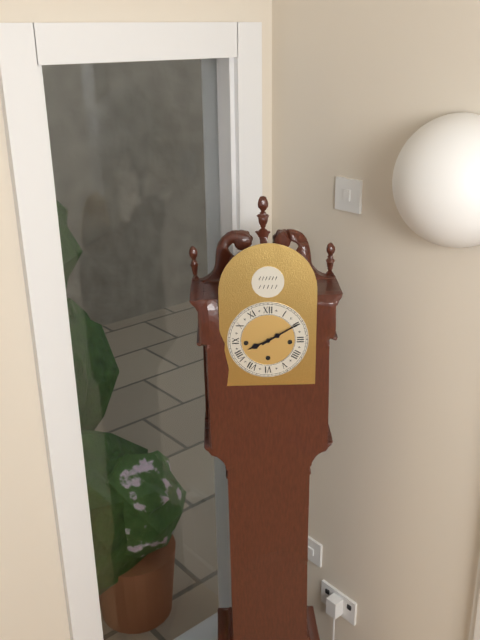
8:10
